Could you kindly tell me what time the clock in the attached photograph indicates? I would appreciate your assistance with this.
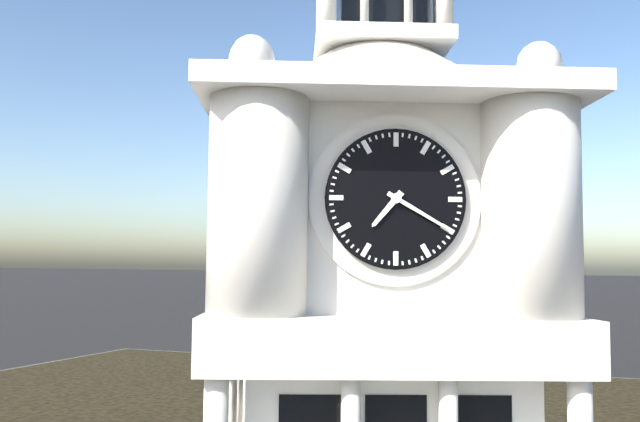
7:20
